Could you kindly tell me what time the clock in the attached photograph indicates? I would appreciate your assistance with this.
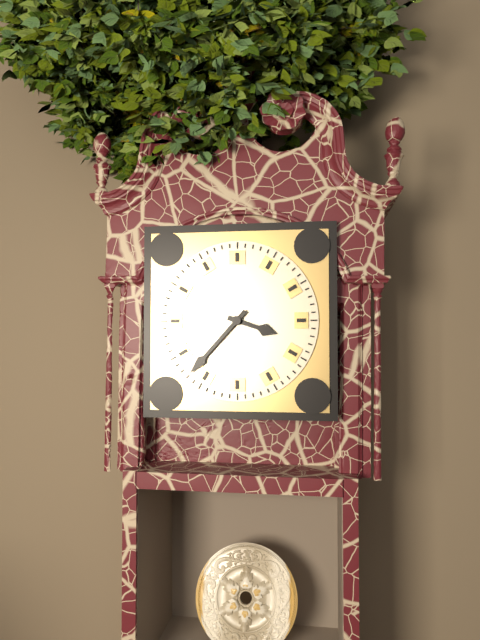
3:37
